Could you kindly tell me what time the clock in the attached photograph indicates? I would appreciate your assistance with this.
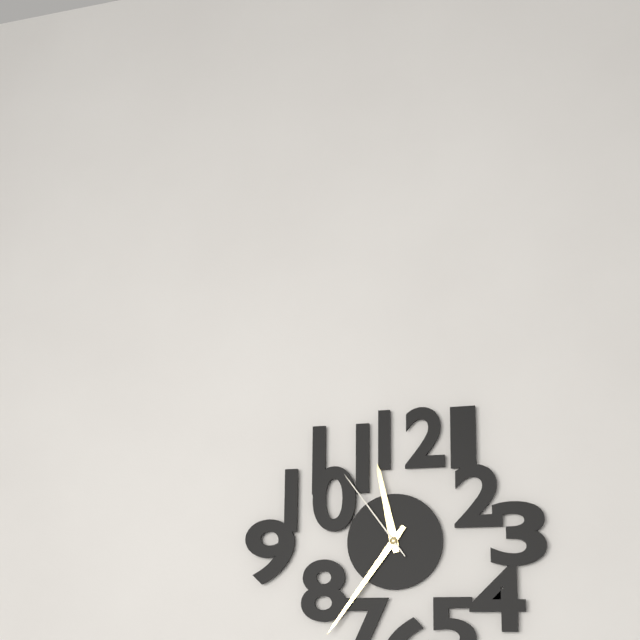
11:36:54
